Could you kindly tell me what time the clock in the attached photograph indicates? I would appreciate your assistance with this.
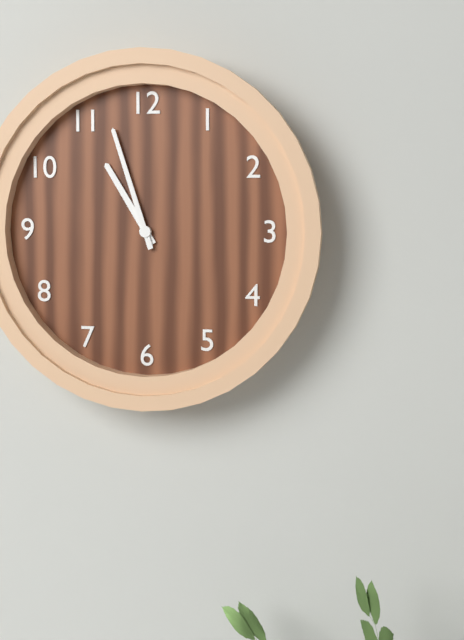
10:57
